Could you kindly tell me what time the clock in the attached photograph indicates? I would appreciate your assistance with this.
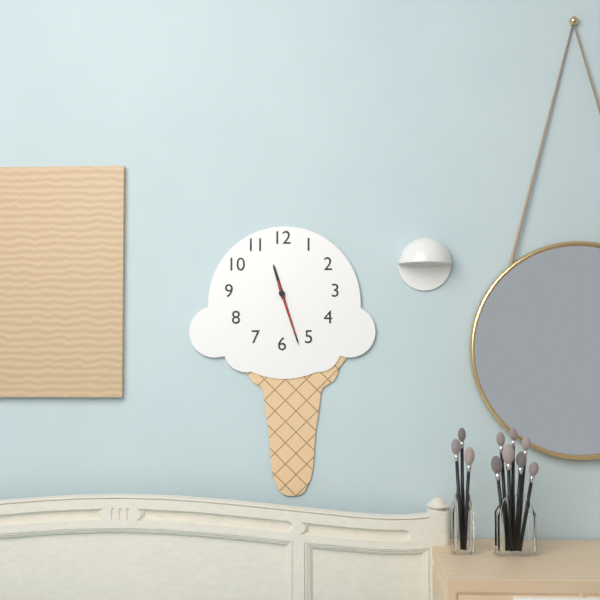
11:27:27
